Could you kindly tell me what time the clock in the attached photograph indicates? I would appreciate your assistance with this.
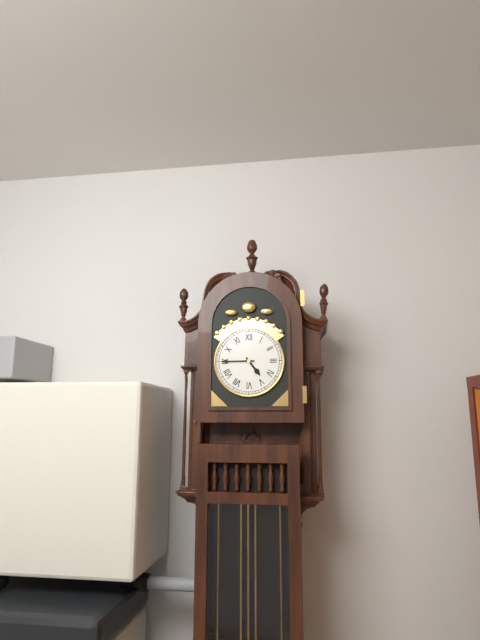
4:45
